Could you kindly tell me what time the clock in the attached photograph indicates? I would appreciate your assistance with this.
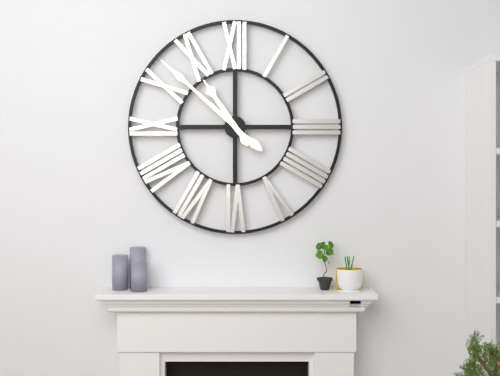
10:52
